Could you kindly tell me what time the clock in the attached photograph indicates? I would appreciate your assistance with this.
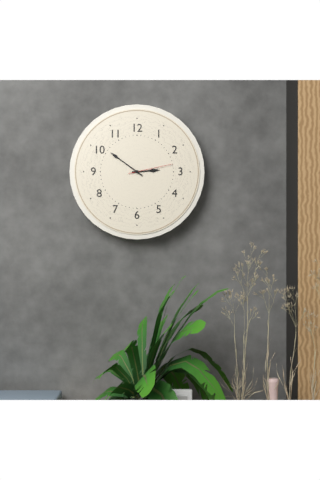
2:51
